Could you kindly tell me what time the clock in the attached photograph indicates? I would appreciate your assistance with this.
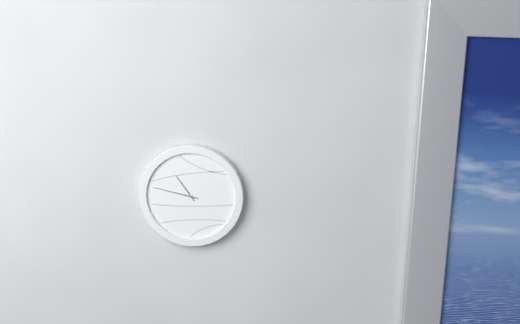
10:47
